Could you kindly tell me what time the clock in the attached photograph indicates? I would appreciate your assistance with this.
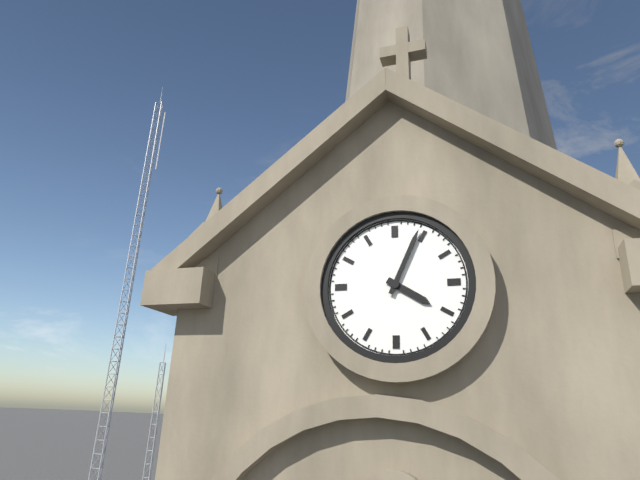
4:04
